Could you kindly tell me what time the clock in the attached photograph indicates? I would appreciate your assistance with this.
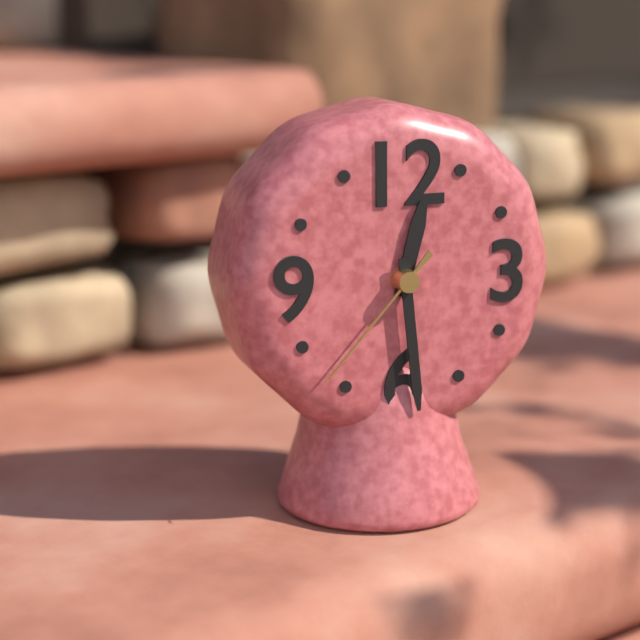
12:29:37
